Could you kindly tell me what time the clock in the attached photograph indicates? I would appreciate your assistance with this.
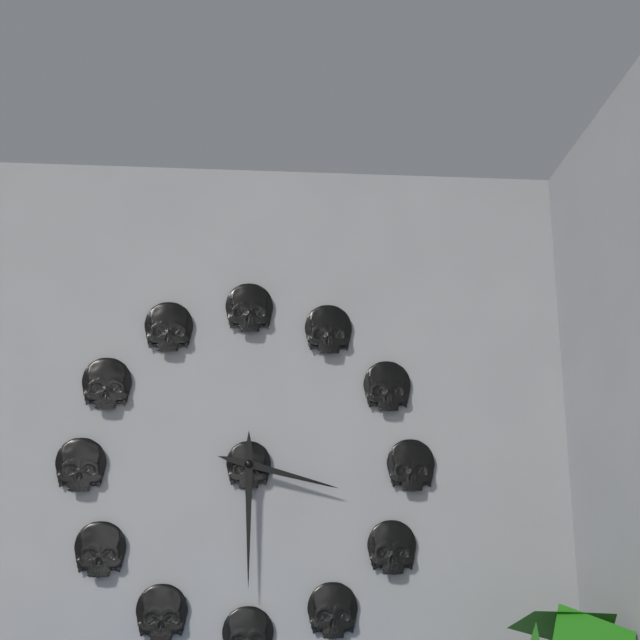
3:30
